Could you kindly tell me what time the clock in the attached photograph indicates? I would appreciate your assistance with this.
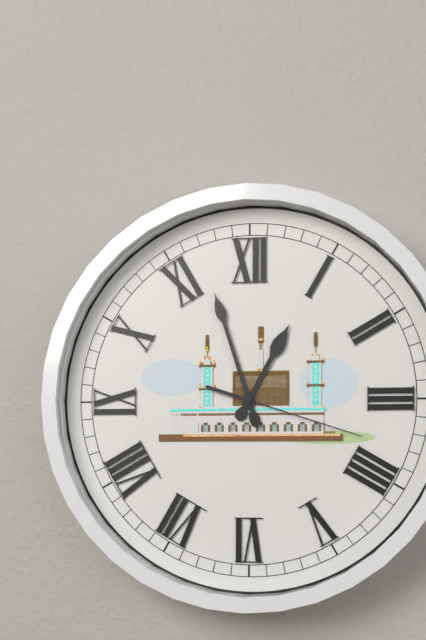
12:57:18
